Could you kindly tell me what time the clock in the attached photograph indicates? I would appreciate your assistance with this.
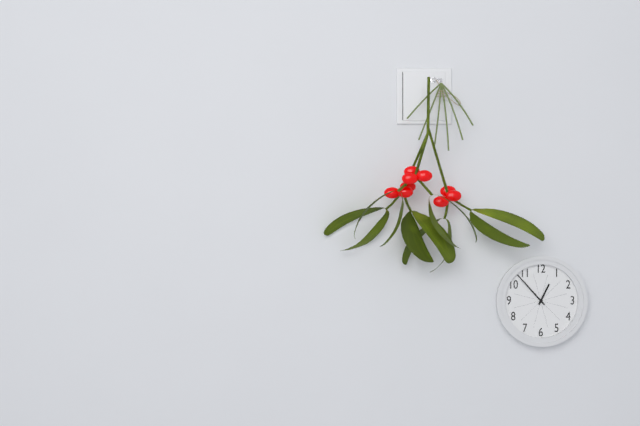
12:53
